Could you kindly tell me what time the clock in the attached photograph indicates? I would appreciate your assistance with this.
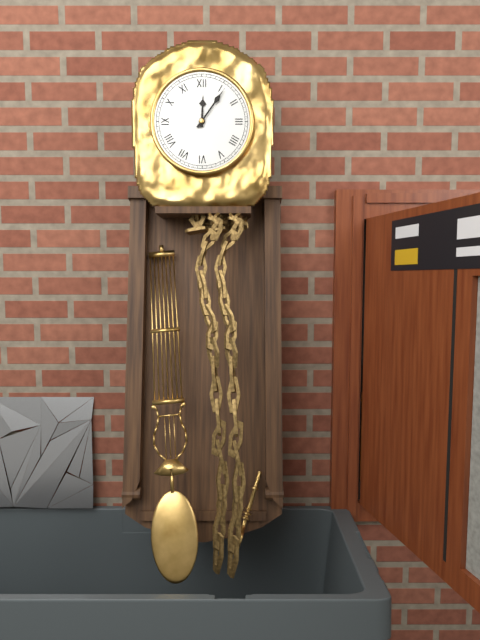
12:06
